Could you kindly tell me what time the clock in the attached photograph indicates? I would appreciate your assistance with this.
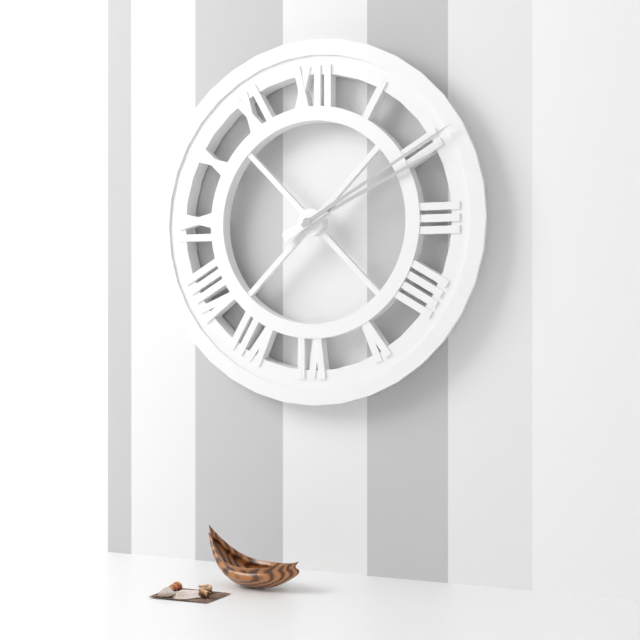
2:10
